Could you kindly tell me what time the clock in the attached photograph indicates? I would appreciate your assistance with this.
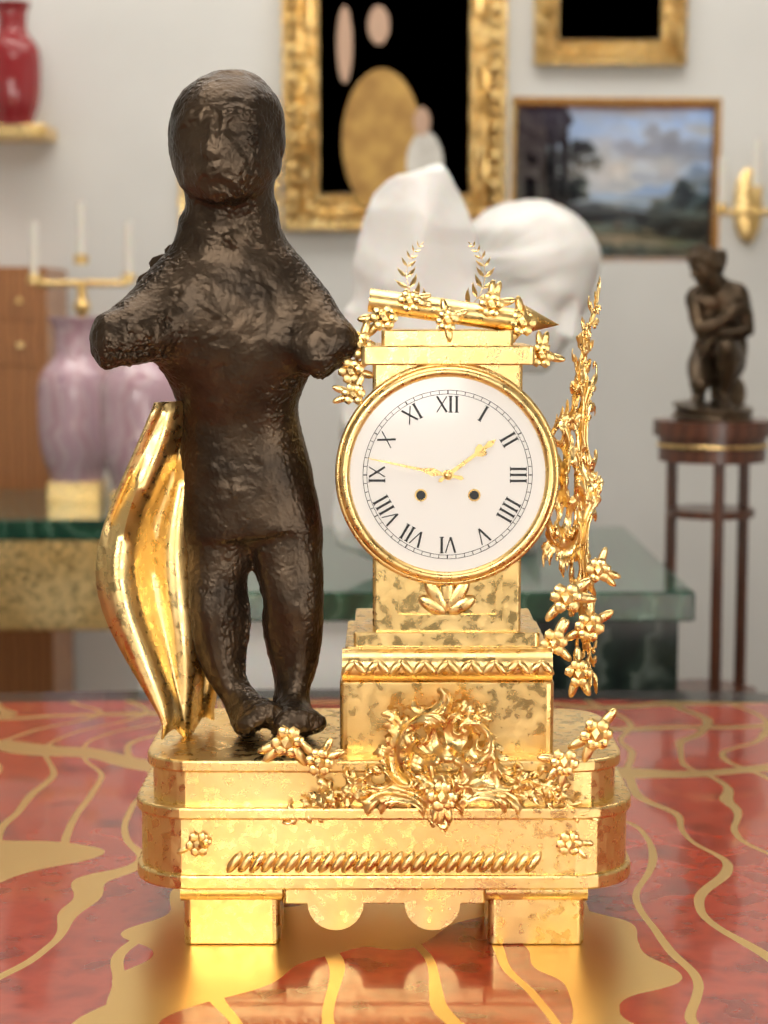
1:47
